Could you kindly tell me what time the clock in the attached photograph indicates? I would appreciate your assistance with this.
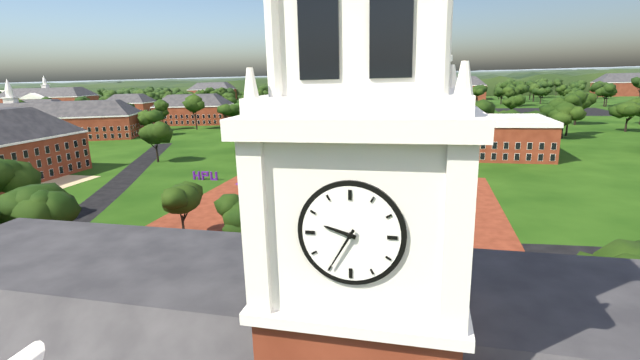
9:35
